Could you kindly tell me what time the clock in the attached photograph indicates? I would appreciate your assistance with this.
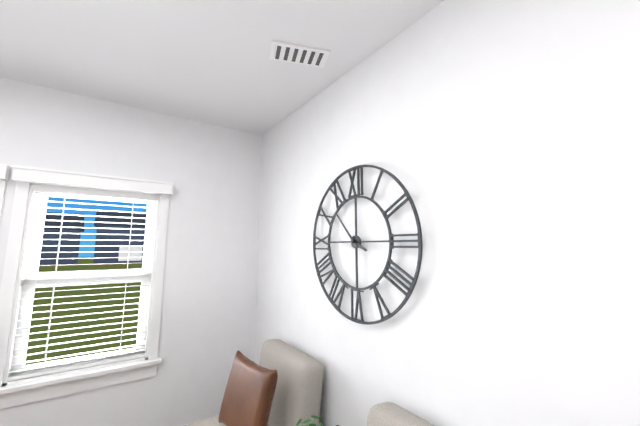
3:53
